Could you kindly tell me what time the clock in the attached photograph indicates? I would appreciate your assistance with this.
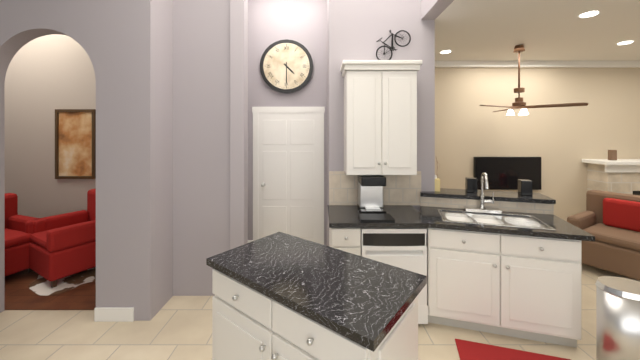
4:30
